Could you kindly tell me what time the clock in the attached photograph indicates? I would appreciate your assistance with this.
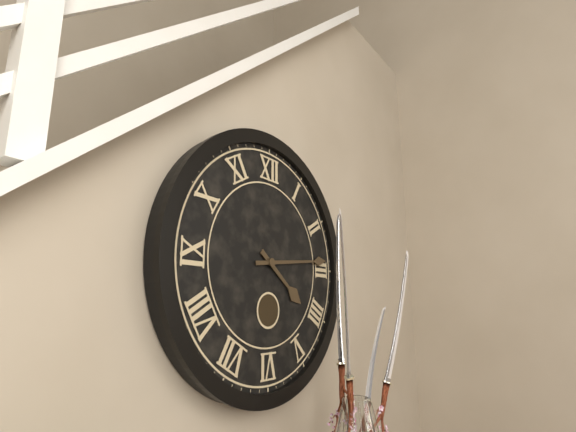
4:14
